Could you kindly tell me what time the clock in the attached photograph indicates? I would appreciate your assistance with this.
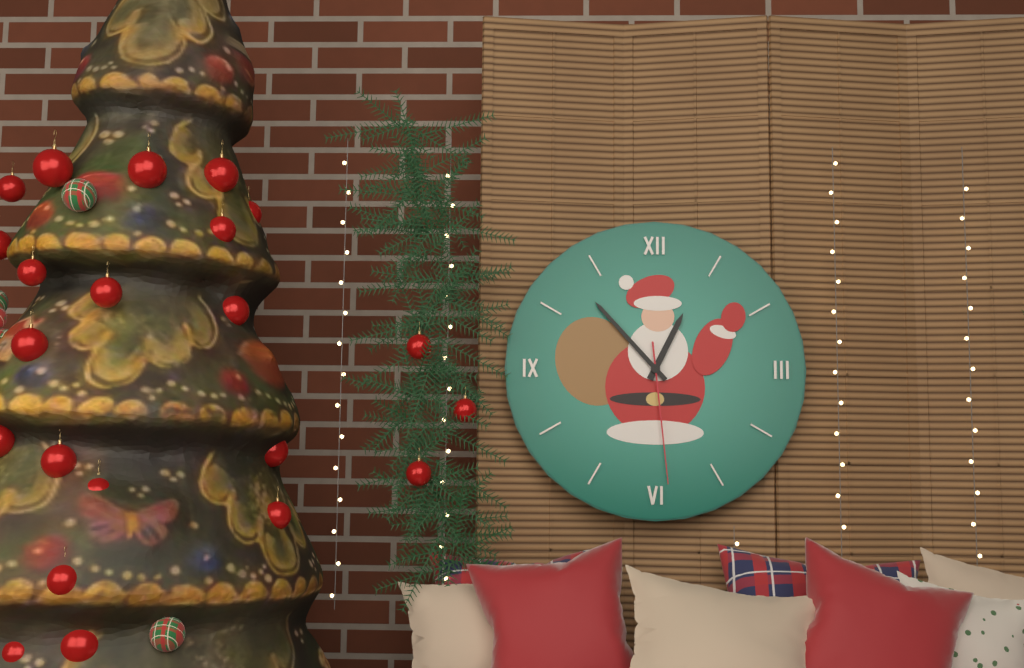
12:53:29
